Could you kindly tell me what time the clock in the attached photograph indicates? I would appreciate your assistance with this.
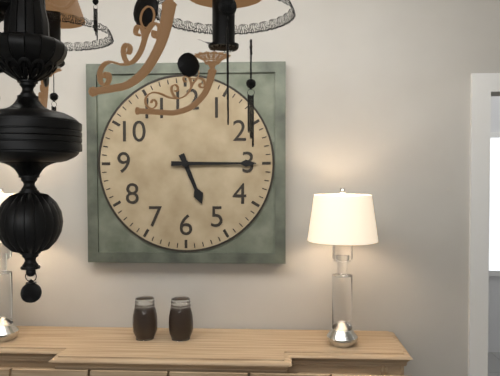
5:15
